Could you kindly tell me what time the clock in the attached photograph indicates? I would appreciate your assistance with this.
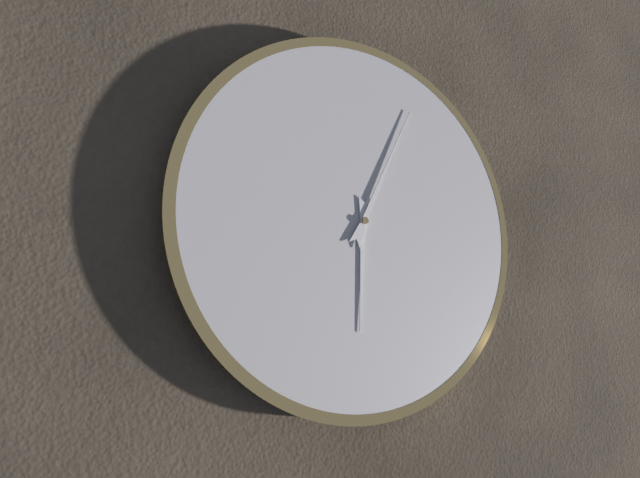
6:04
